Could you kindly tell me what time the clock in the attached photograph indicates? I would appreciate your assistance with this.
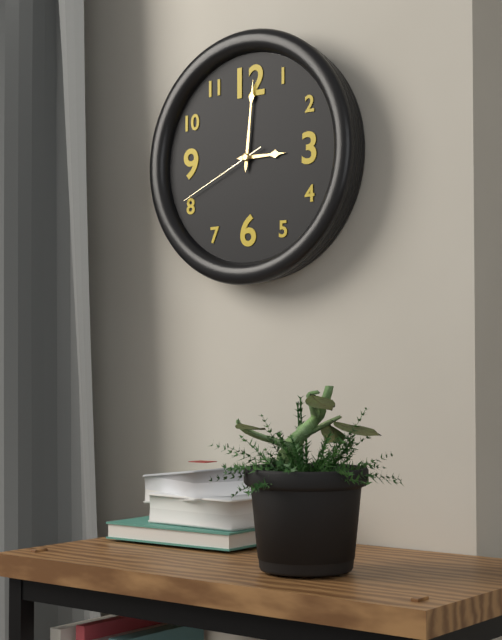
3:01:41
